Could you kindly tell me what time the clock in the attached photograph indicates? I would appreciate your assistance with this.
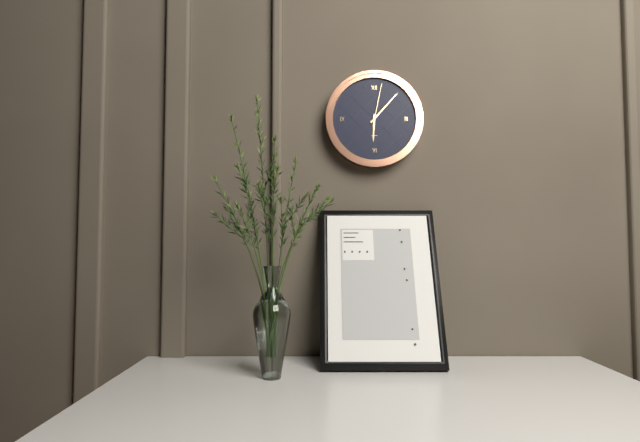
6:07
